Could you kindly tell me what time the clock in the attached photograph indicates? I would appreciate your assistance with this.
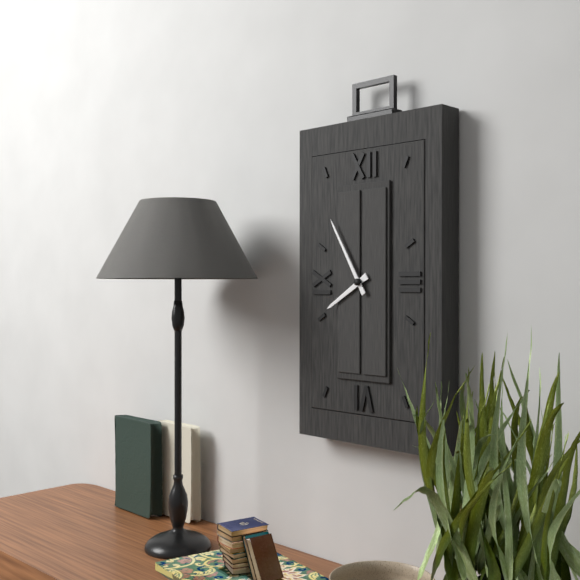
7:55
